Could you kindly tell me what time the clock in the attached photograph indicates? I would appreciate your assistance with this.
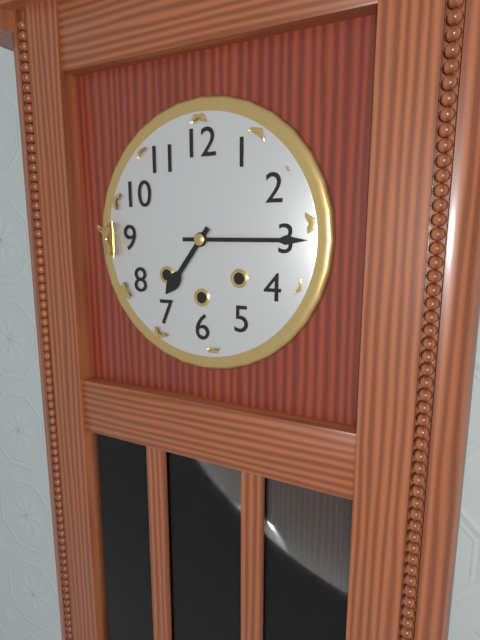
7:15
